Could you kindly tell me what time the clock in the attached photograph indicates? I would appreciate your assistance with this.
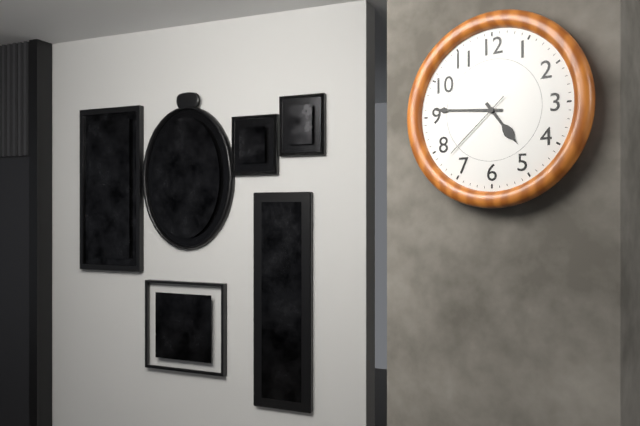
4:46:38
